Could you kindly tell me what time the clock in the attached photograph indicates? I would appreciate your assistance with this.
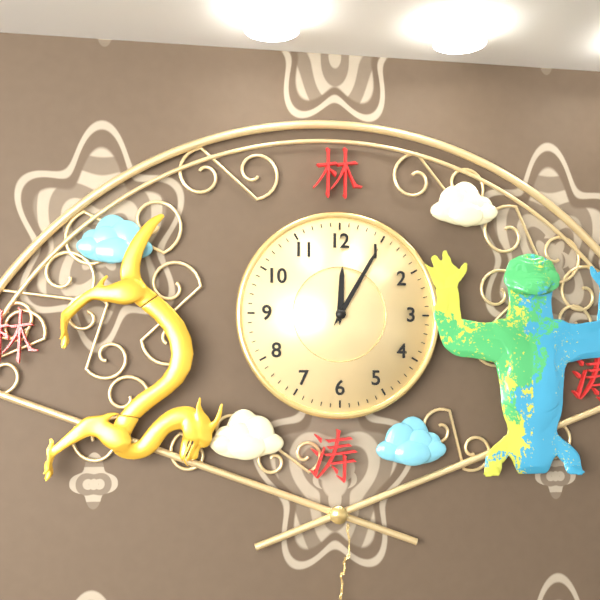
12:05
